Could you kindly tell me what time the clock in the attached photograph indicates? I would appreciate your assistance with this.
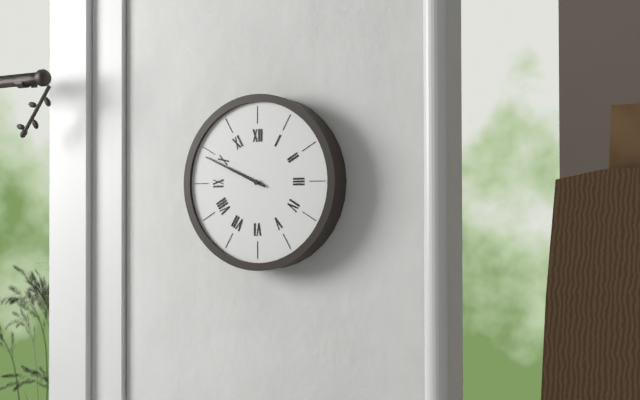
9:49
